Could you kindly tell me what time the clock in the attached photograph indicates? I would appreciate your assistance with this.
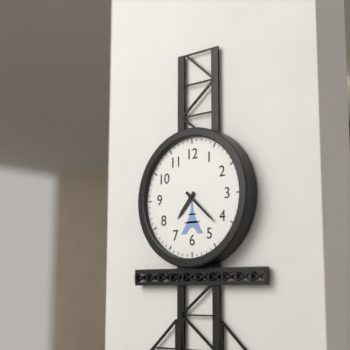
7:22
